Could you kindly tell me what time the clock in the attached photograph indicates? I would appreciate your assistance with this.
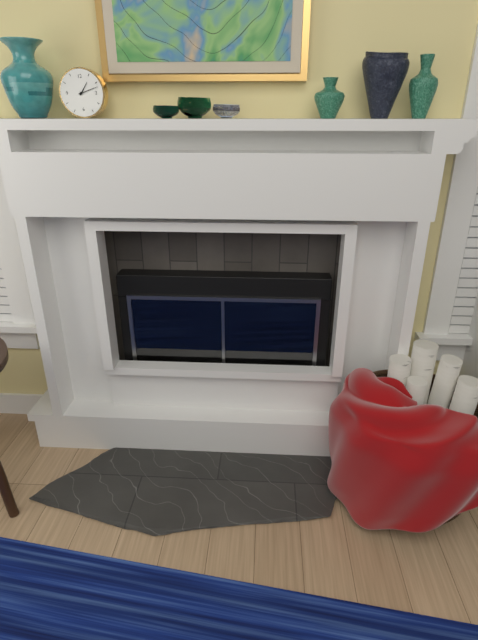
1:12
